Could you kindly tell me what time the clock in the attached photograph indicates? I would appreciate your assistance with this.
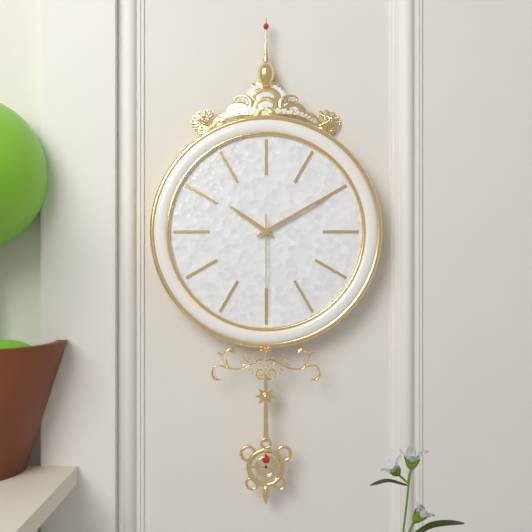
10:10:30
